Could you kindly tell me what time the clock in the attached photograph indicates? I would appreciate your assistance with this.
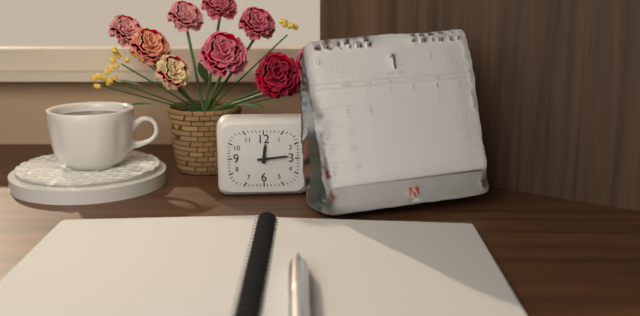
12:14
